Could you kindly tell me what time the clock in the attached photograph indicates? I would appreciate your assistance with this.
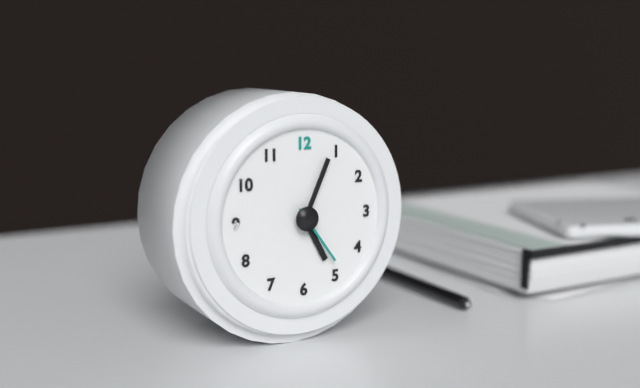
5:04:24
